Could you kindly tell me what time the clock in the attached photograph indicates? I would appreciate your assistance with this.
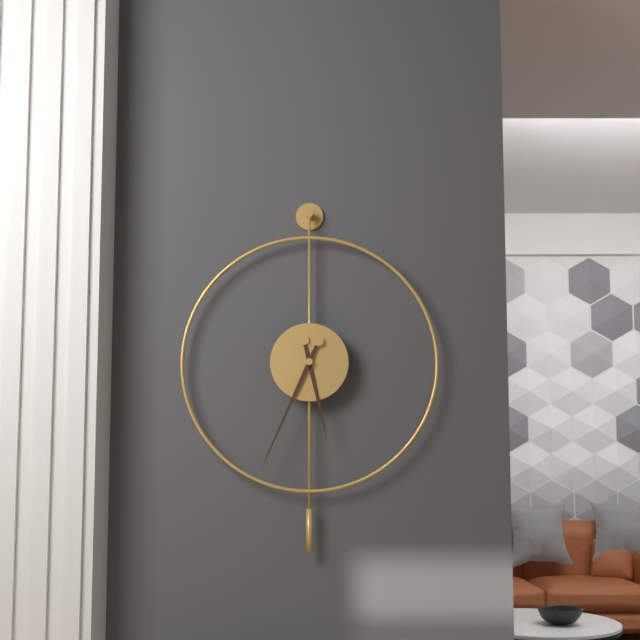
5:34
